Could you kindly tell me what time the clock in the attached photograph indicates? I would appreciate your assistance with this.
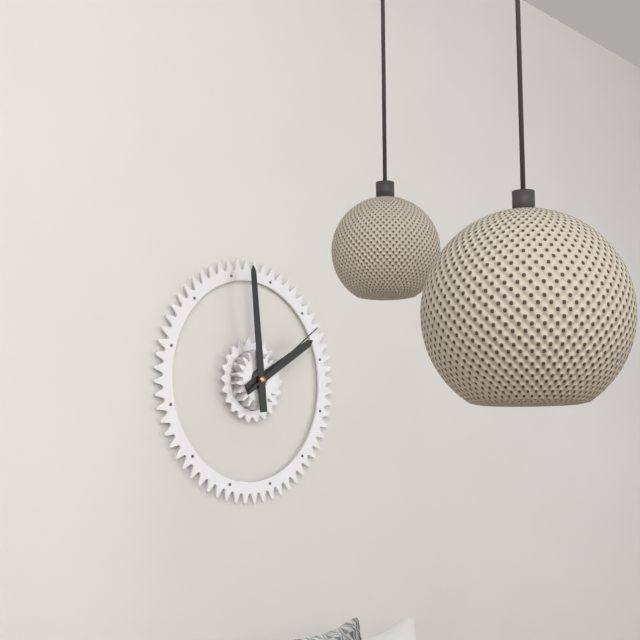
1:59:09
